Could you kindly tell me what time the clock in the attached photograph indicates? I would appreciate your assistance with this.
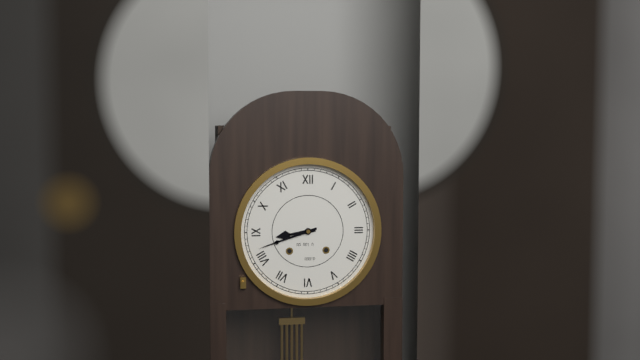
8:42
